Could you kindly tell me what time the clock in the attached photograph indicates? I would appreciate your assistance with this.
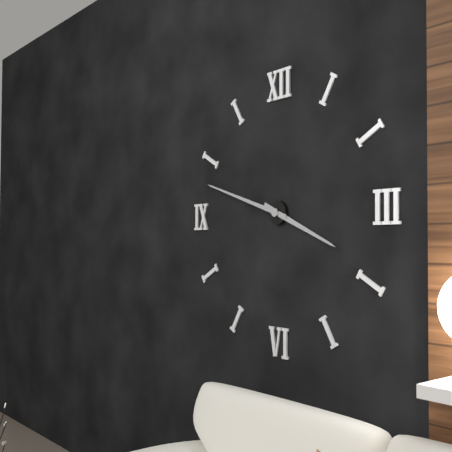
3:48
